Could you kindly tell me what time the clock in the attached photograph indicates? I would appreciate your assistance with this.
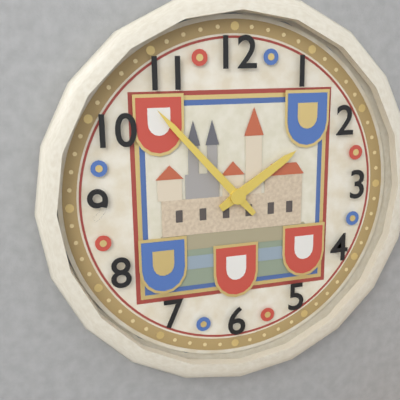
1:53
